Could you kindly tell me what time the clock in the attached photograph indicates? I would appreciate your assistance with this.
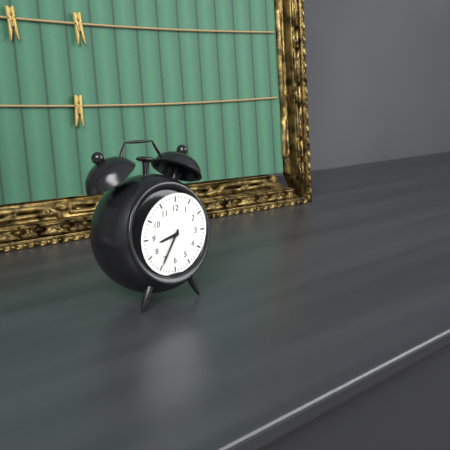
8:35
